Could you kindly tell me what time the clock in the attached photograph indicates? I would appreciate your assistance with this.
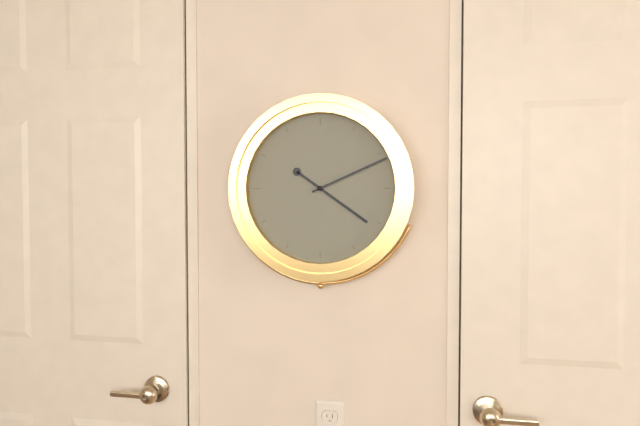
4:11
